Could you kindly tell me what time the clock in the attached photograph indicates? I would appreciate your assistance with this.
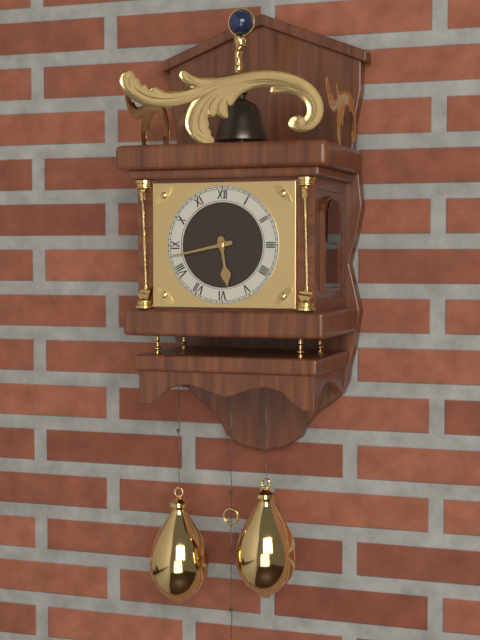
5:43
